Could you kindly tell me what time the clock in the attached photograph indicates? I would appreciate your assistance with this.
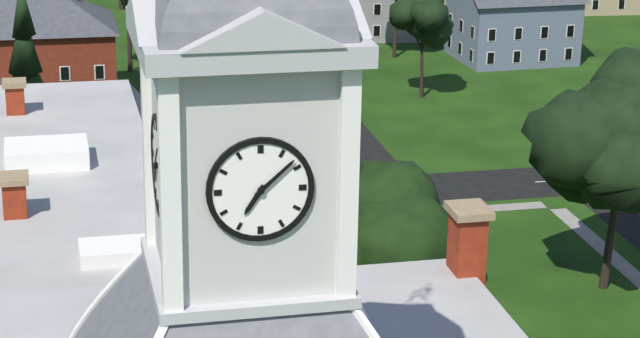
7:08
